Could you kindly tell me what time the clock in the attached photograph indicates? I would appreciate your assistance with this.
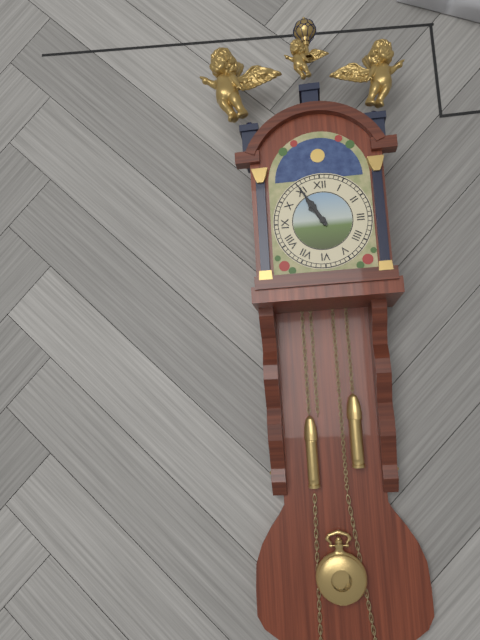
10:55
